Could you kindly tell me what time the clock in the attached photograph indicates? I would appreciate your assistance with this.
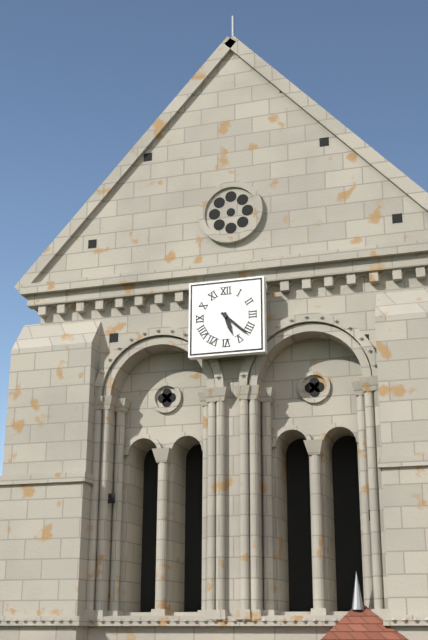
5:22
